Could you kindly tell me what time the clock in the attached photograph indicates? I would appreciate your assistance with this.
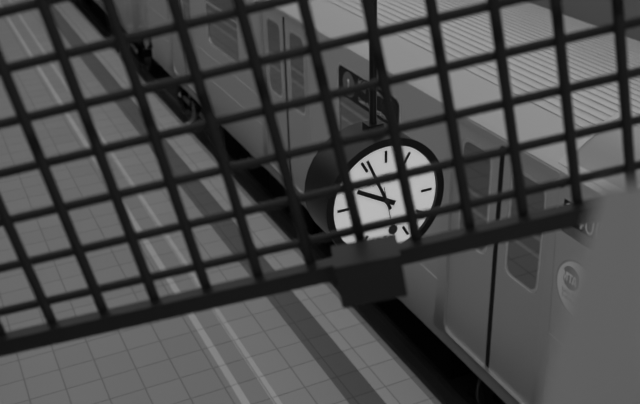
9:56
